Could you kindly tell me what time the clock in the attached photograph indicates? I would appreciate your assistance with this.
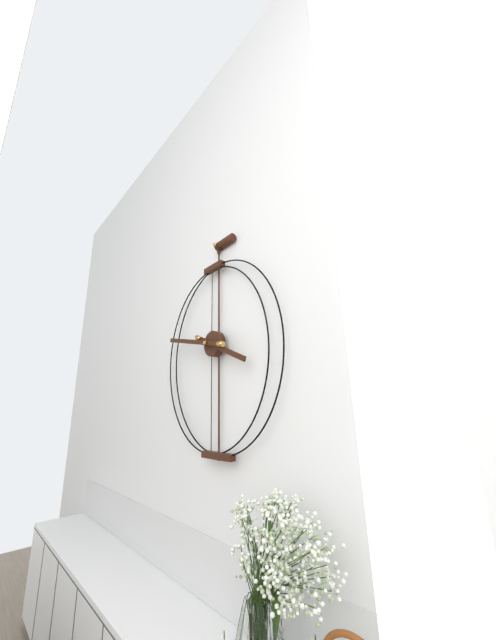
3:47
